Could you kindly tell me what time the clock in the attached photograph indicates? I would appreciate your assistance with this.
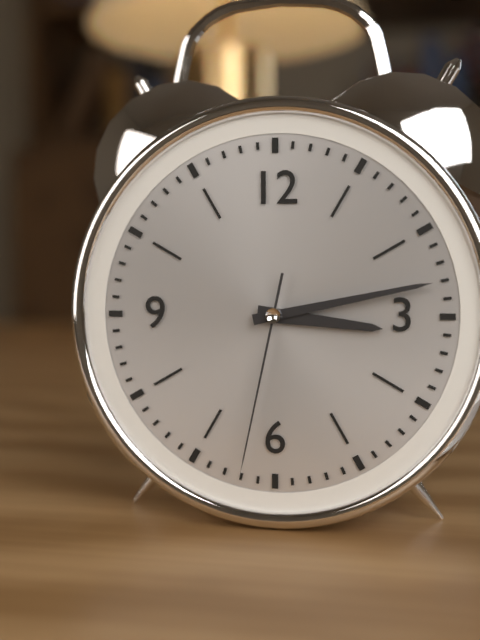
3:13:32
